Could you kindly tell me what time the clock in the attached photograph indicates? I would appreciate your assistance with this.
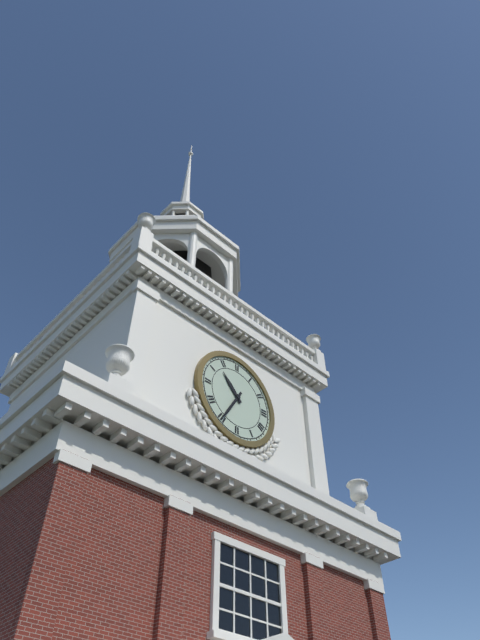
10:35
